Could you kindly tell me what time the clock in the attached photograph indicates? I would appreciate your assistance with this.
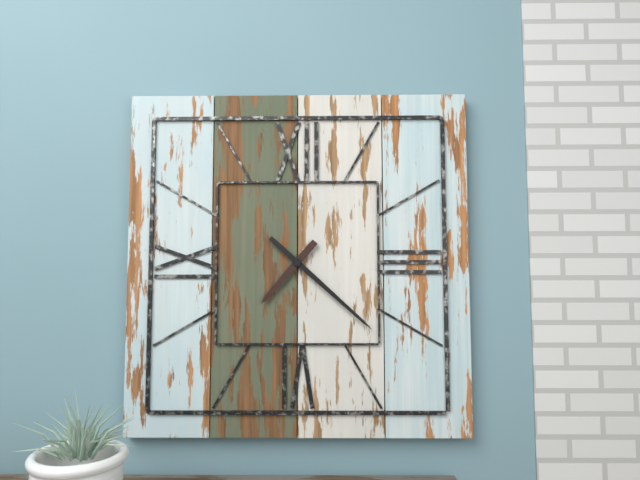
7:22
